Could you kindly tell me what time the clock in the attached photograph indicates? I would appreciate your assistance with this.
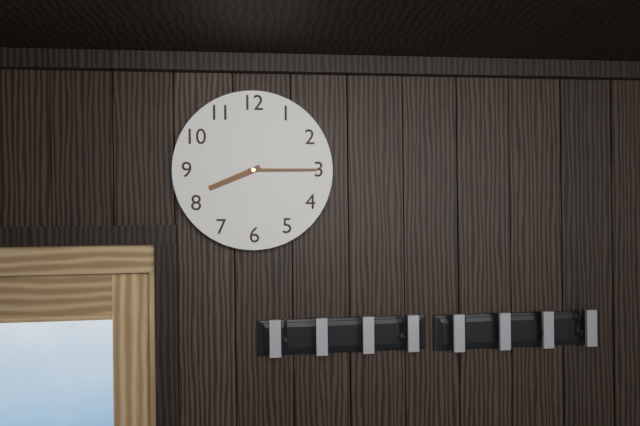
8:15
